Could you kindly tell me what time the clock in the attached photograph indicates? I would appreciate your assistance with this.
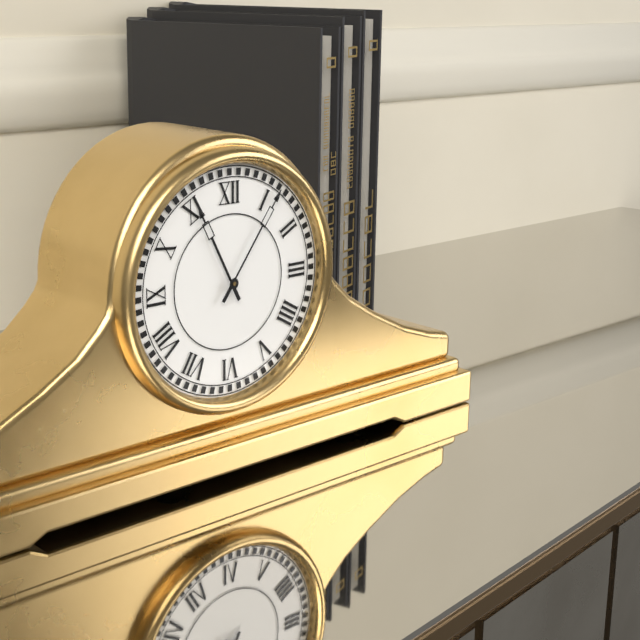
11:06
